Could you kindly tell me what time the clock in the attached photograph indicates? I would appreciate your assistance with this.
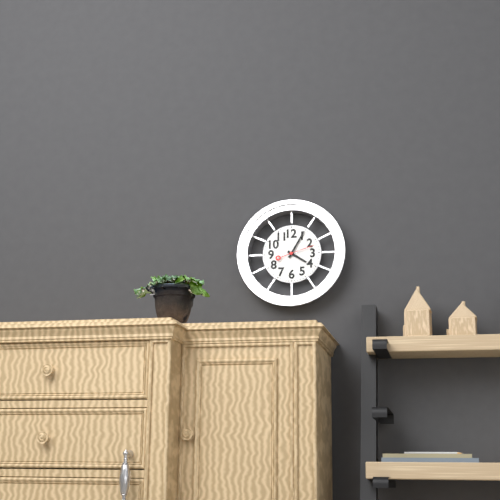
4:05
